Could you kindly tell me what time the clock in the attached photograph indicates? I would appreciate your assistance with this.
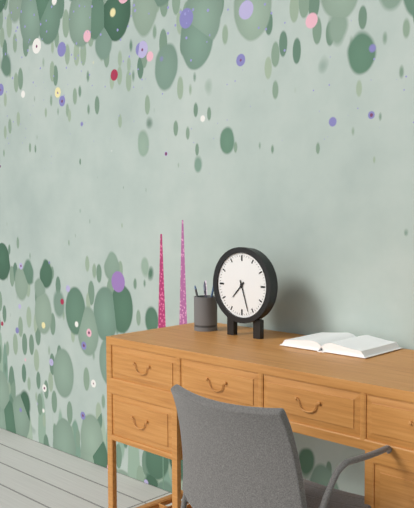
7:27
